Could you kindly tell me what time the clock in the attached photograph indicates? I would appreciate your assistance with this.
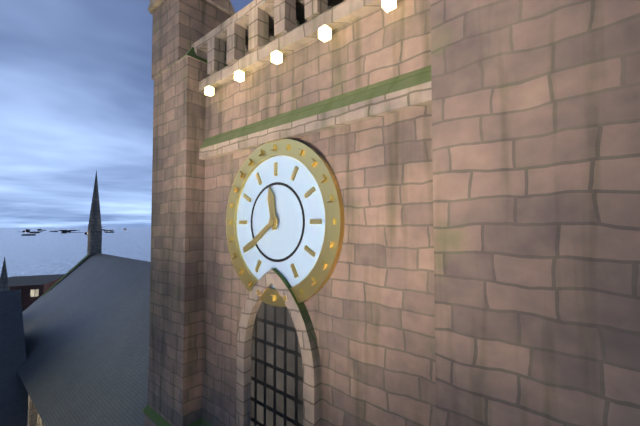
11:39
